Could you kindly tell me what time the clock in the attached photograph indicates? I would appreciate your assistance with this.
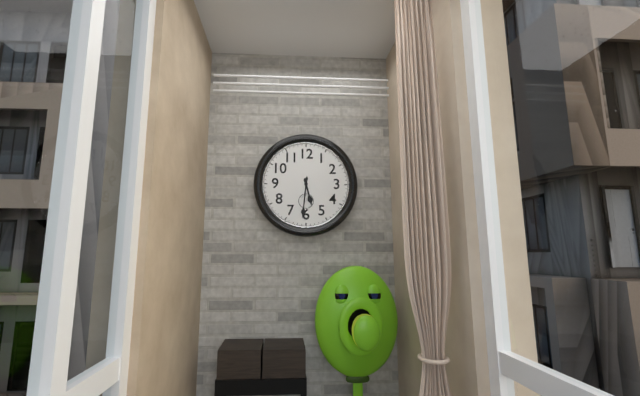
5:31
